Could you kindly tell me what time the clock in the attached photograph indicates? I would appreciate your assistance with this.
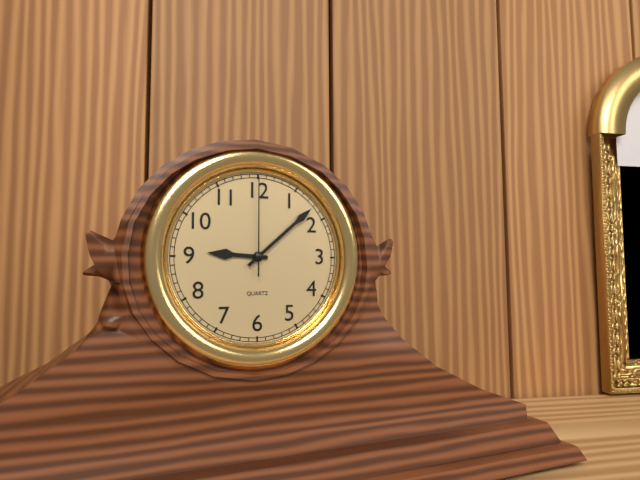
9:08:00
